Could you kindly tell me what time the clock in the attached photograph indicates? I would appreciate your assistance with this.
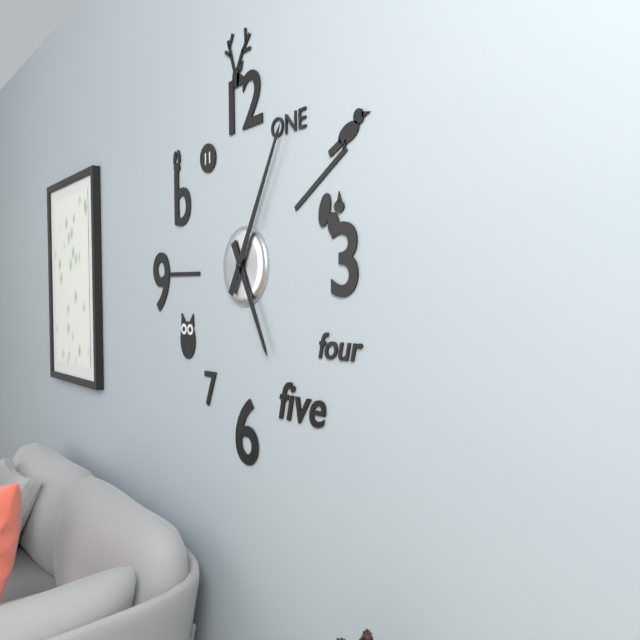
5:05
